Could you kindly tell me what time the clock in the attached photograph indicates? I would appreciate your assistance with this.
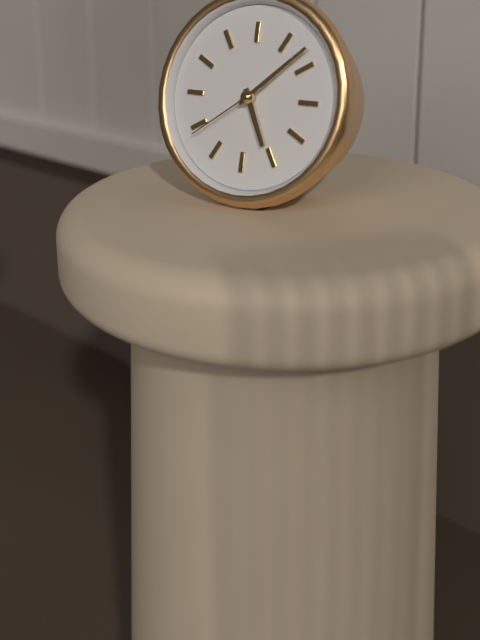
5:08:39
